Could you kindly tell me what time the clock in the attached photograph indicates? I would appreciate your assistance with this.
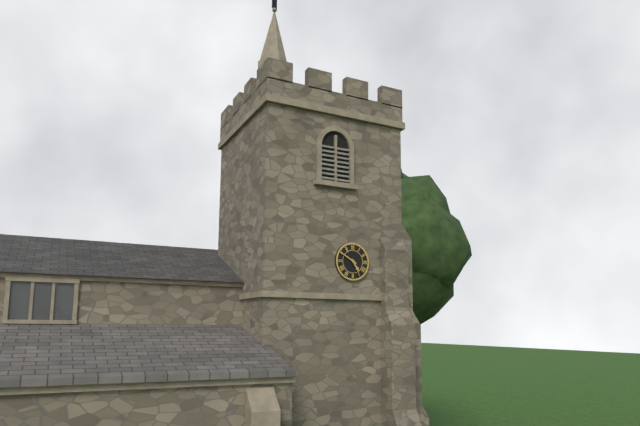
4:50
